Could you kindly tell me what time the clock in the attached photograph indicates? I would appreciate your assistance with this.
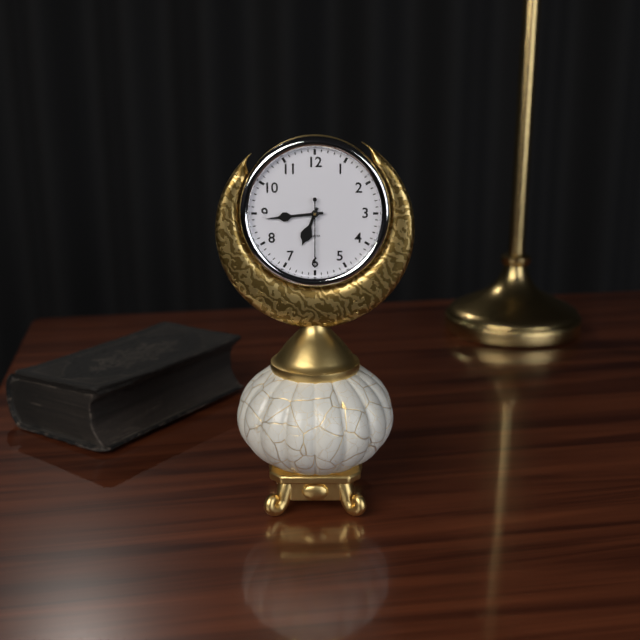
6:44:30
